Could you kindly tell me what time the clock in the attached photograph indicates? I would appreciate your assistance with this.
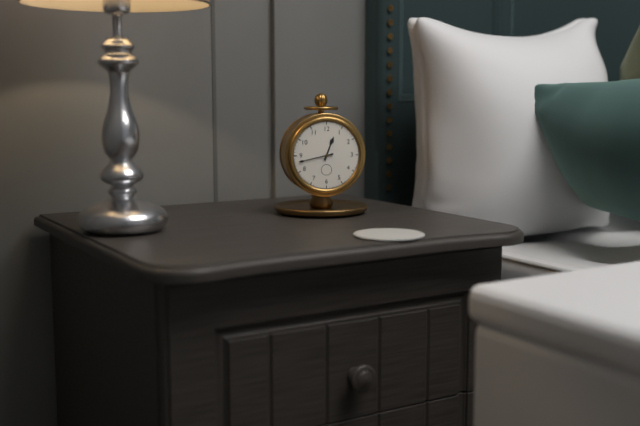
12:43
